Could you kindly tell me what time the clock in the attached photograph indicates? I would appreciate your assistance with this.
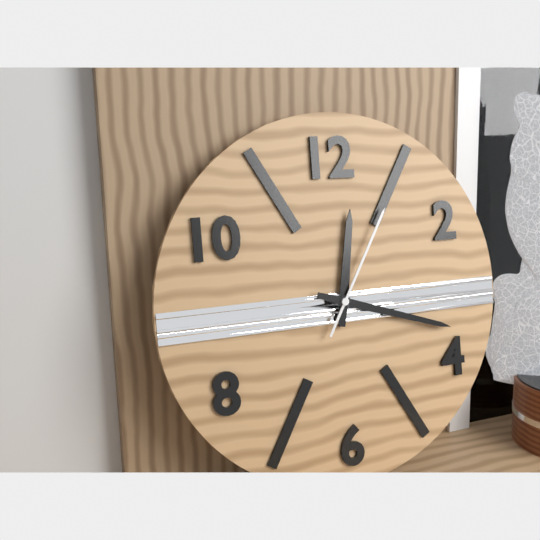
12:18:05
